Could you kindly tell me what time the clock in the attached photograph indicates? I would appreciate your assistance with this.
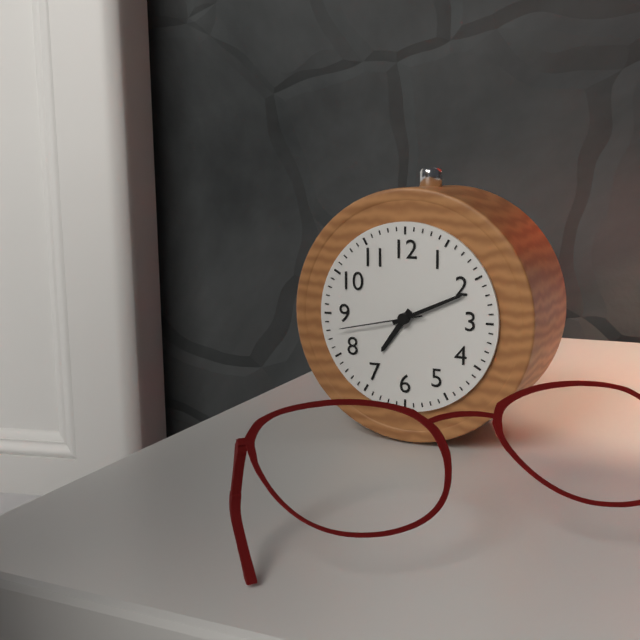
7:11:43
